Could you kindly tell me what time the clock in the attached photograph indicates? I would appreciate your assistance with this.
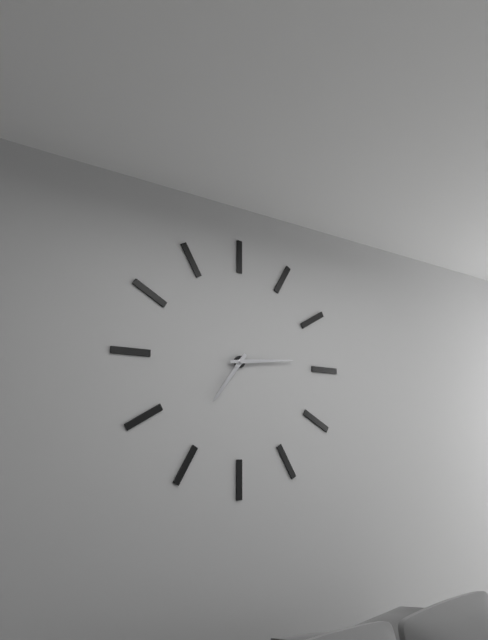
7:14
